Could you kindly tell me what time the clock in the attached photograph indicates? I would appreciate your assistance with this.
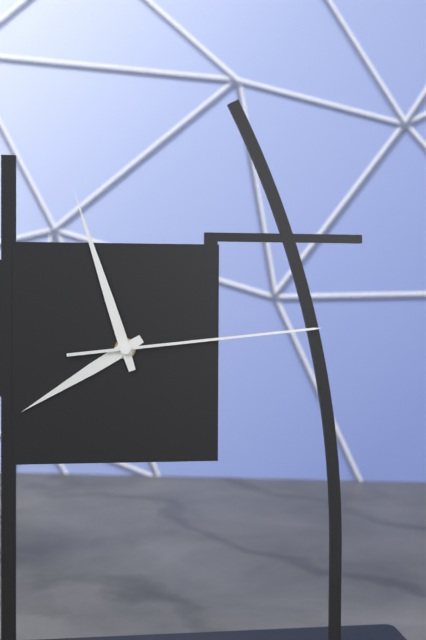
7:57:14
